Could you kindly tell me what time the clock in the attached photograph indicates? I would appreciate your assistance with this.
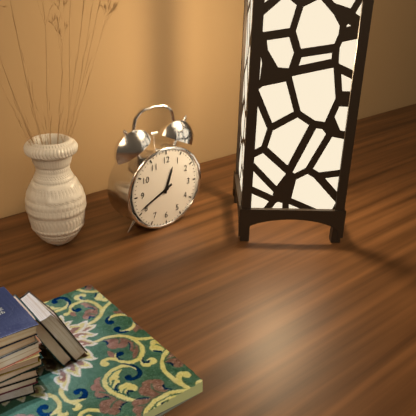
12:41
